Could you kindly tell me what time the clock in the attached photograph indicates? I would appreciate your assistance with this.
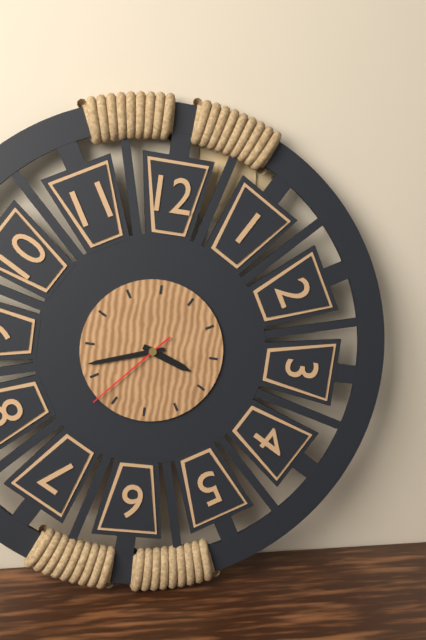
3:42:37
